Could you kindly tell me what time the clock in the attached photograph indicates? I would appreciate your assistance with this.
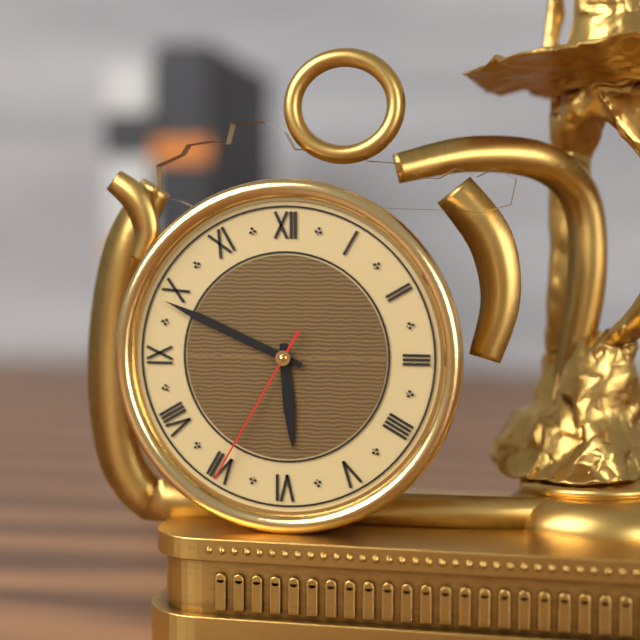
5:49:35
